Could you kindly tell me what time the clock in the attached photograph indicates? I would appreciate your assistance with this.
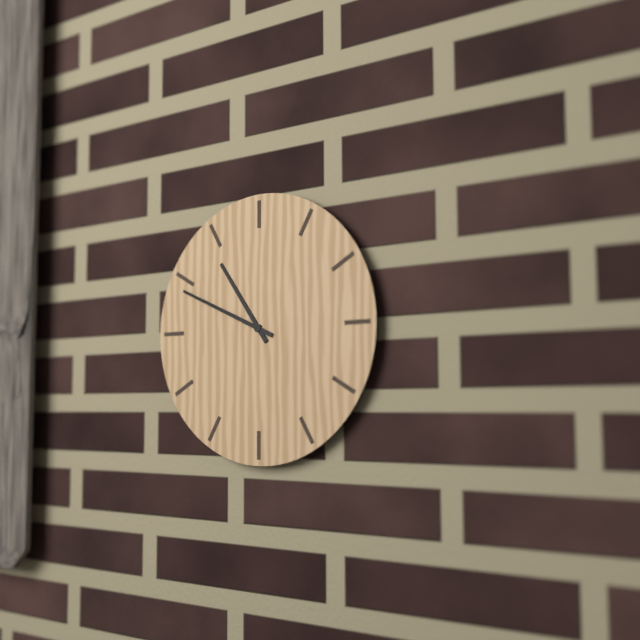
10:49
